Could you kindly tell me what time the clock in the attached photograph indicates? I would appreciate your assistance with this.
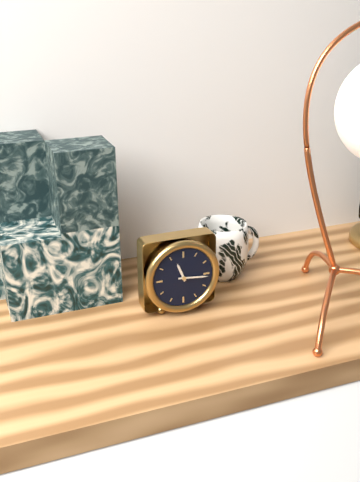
11:16
